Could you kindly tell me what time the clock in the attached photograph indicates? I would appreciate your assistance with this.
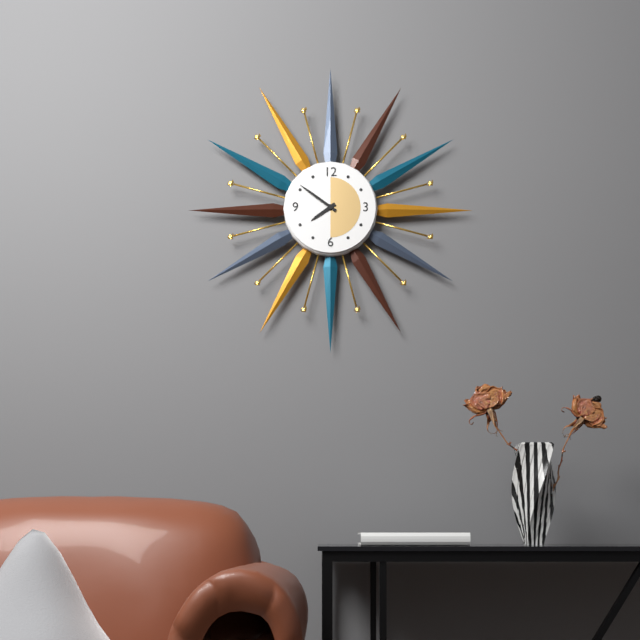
7:51
